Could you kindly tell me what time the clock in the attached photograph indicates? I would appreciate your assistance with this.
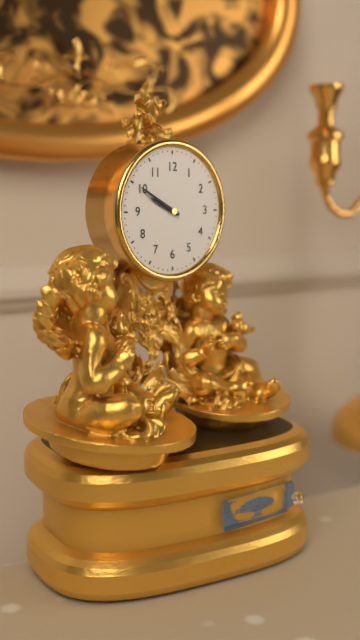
9:50
